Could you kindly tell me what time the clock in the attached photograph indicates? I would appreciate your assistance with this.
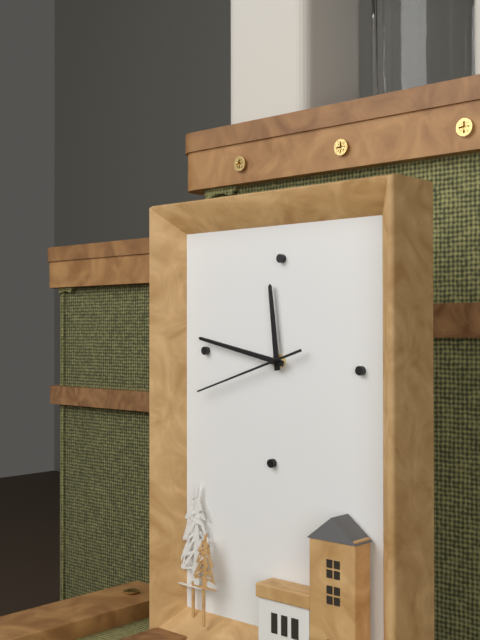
11:47:42
